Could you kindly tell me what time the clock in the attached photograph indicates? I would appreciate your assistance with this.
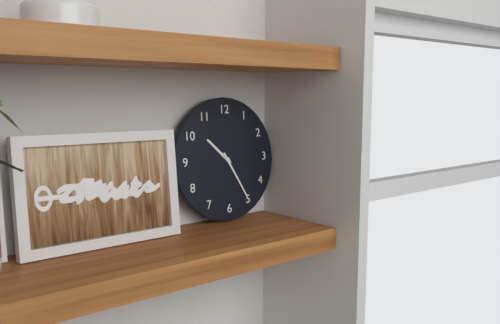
10:25
